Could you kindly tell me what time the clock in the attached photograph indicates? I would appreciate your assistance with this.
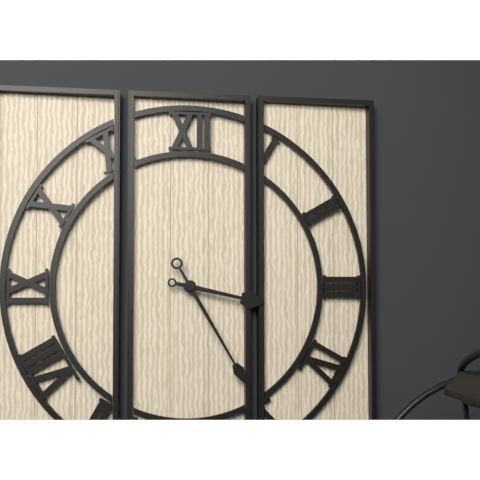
3:25
